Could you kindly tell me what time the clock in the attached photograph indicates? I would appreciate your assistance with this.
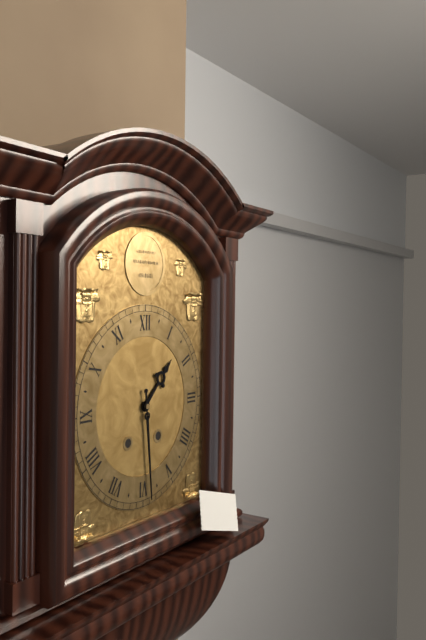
1:29
